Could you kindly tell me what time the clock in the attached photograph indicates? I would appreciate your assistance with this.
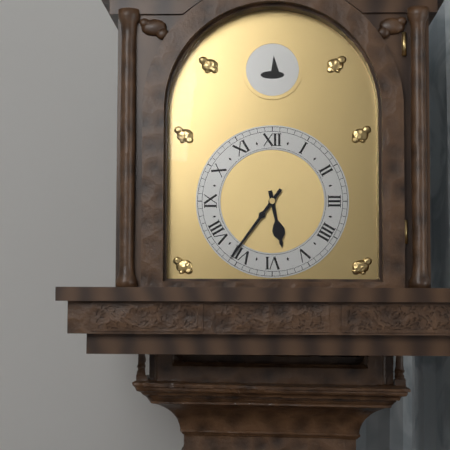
5:36
